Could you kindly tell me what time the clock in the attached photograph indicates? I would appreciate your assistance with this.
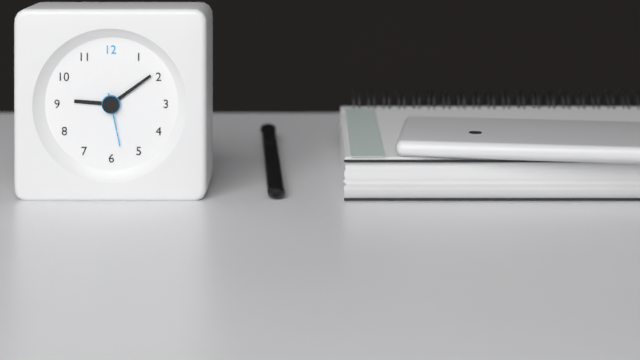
9:09:28
